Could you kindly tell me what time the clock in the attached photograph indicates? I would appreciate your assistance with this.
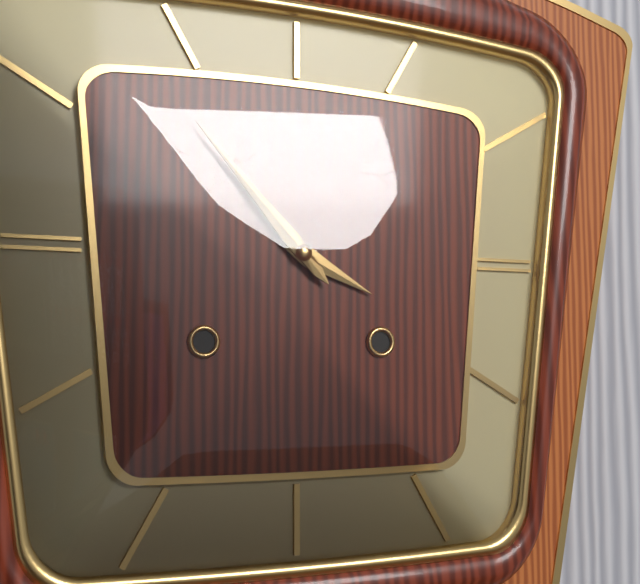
3:53
